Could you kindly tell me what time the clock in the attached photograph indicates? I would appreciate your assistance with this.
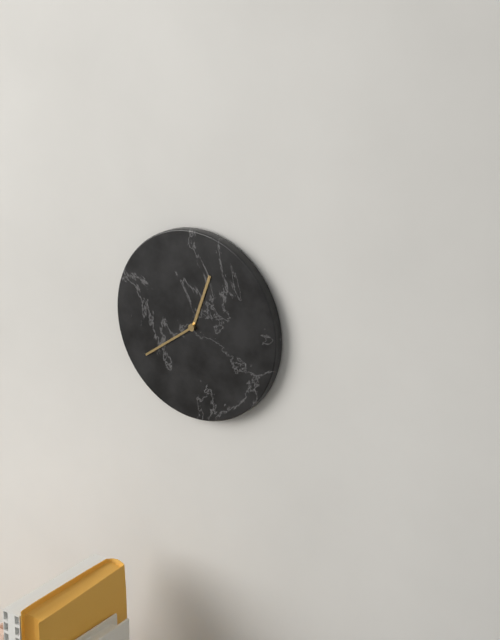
12:39
